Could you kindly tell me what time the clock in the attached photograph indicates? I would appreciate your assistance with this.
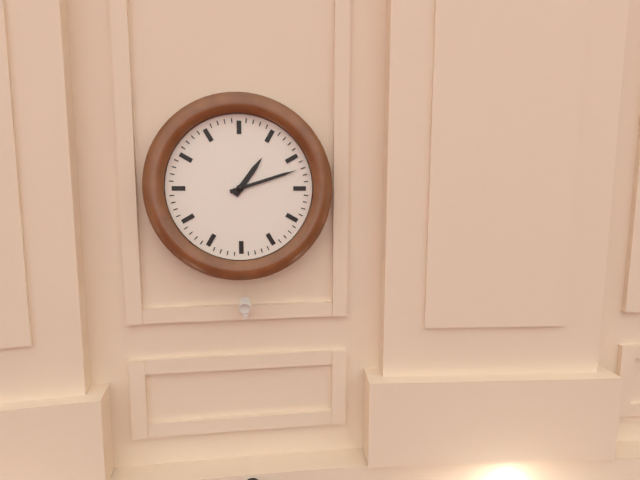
1:12
